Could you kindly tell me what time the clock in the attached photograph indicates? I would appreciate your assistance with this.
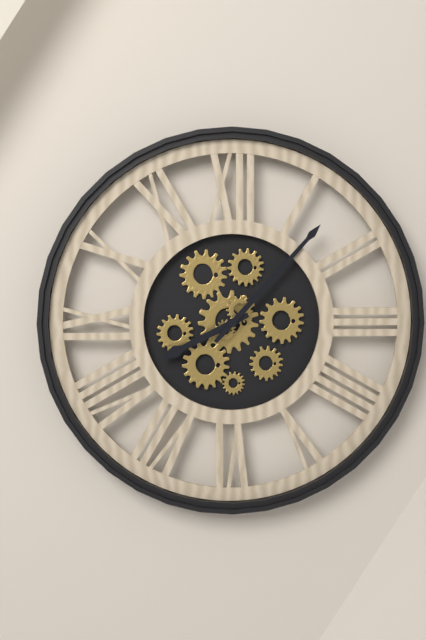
8:07
